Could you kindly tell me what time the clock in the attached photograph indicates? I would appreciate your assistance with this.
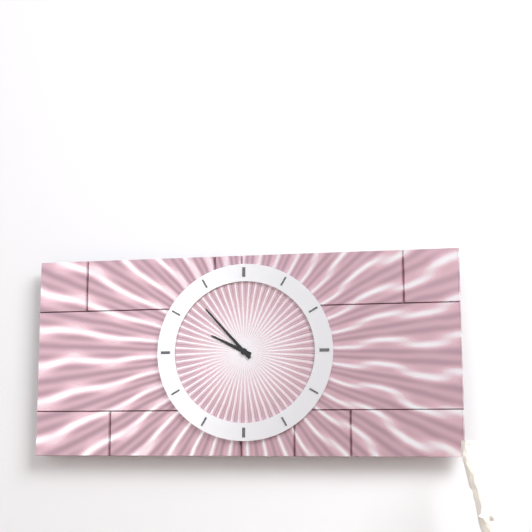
9:53
